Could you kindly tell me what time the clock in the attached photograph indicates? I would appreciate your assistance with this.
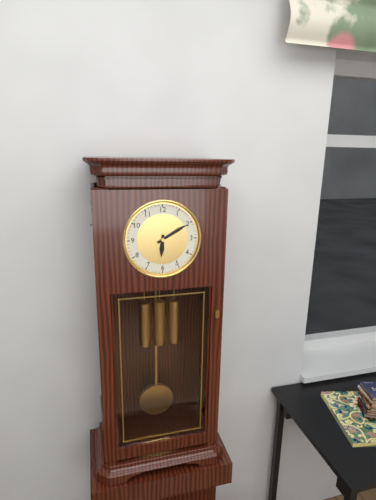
6:10
